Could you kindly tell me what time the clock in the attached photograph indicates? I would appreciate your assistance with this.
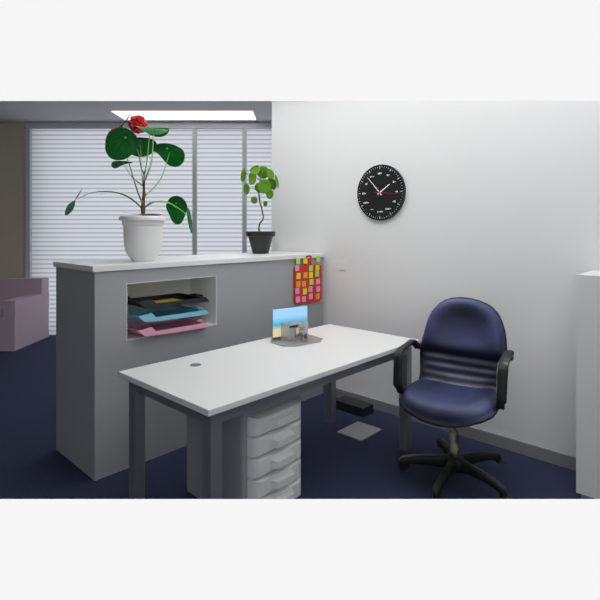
1:53
